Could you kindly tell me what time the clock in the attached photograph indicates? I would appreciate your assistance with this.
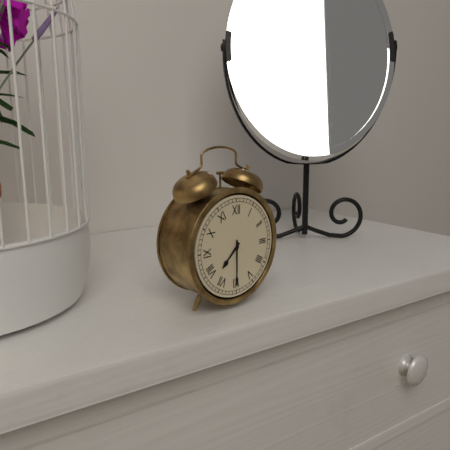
7:30
